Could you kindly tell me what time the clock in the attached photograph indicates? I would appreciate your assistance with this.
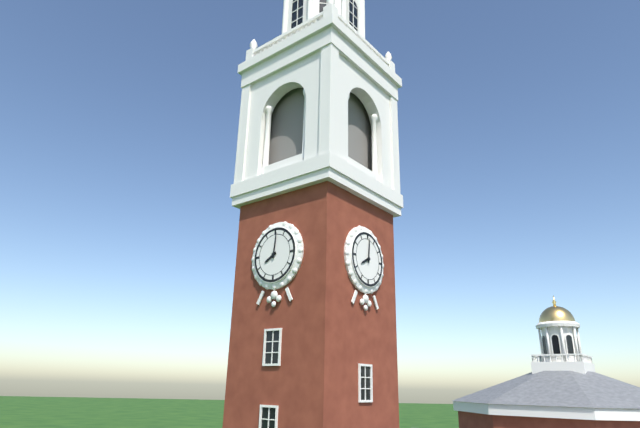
8:01
